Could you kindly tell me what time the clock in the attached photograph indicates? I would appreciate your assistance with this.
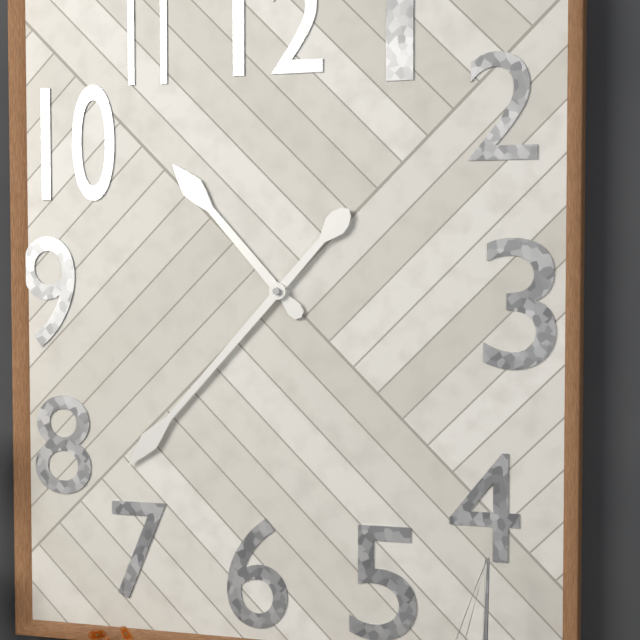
10:37
